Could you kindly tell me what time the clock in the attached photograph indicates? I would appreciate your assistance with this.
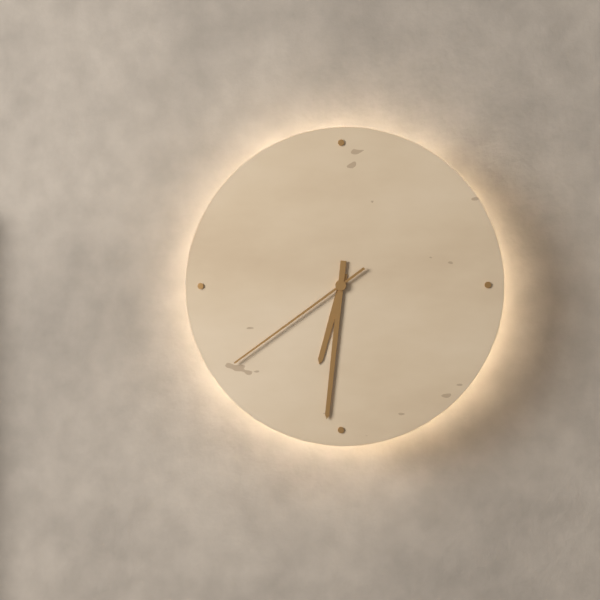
6:31:39
